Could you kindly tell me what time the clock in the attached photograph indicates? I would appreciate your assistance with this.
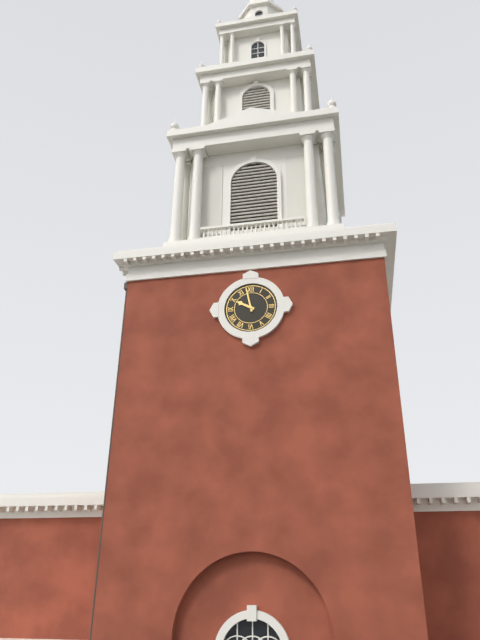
9:58
